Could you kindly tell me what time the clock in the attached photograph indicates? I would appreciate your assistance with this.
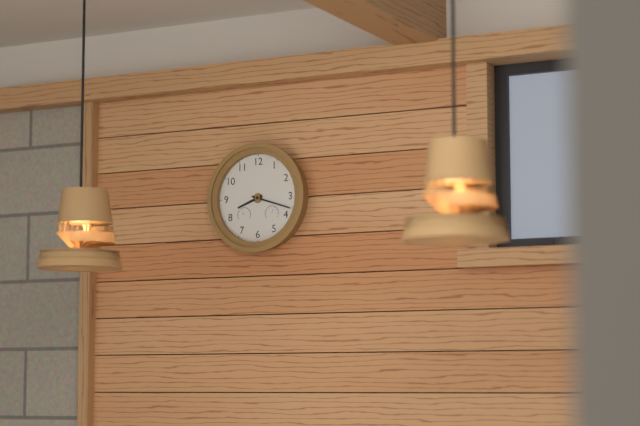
8:18
